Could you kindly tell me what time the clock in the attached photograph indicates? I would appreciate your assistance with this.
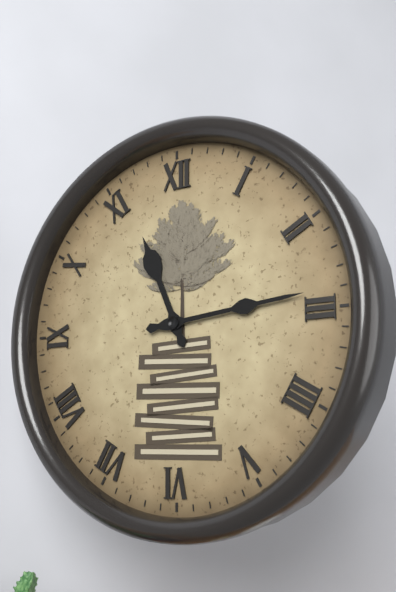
11:14
